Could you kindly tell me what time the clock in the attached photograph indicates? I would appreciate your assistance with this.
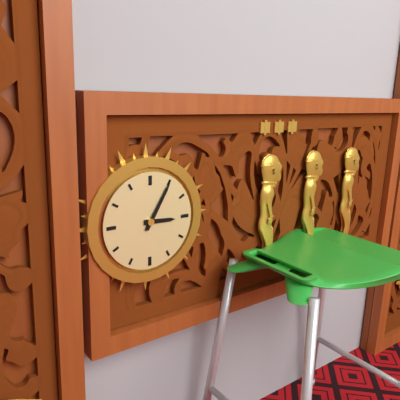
3:05
